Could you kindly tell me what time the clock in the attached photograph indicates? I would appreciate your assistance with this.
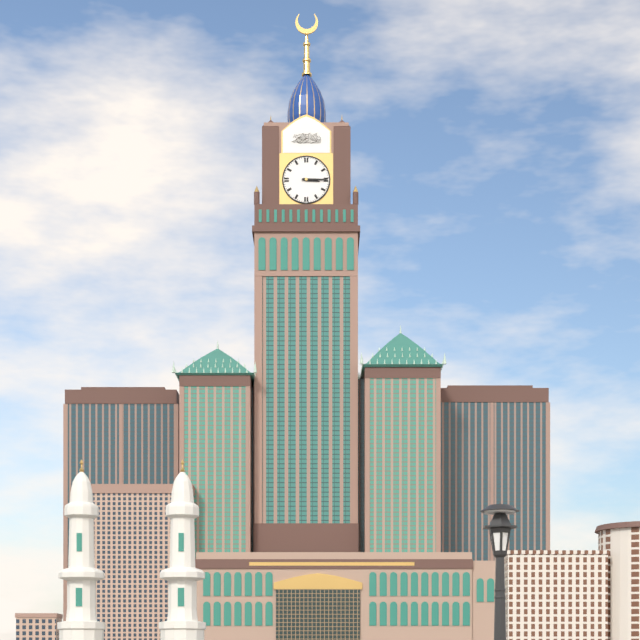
3:15
